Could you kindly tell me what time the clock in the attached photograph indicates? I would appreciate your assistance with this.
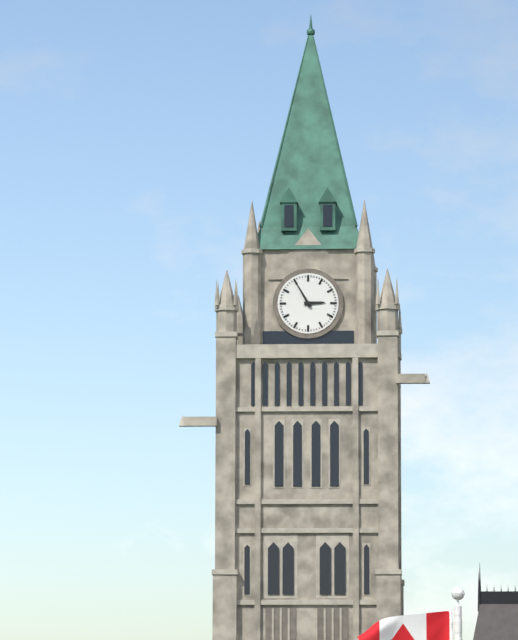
2:55
